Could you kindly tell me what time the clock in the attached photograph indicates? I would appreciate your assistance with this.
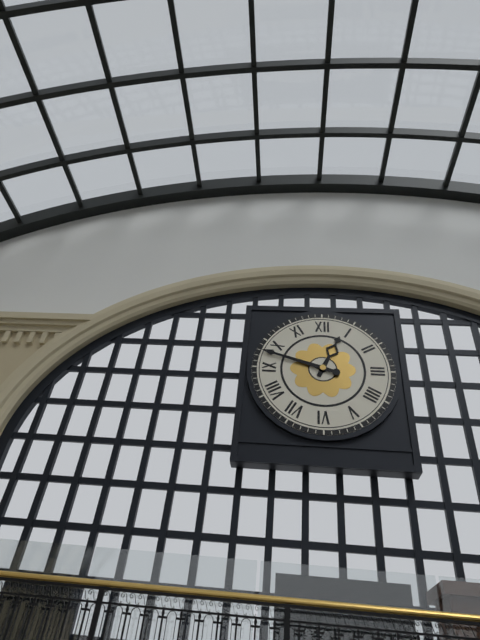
12:48
